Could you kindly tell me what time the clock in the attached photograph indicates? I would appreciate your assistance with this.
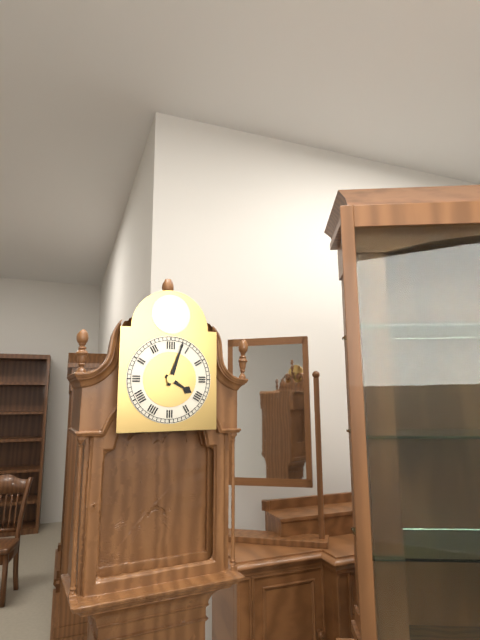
4:03
